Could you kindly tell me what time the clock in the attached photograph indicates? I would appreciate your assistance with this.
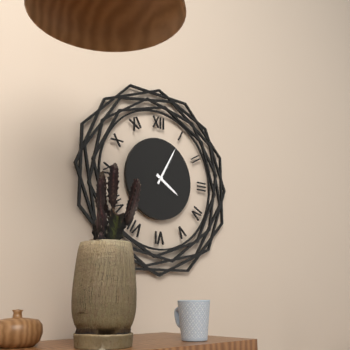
4:05
